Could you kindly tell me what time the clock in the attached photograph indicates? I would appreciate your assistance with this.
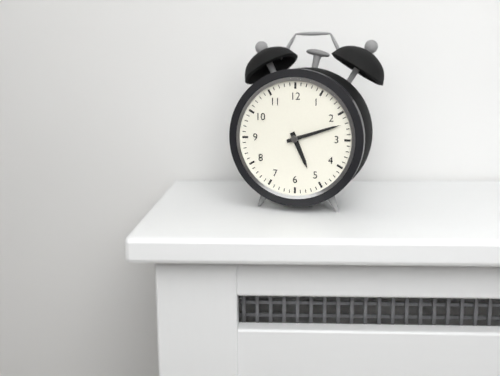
5:12
